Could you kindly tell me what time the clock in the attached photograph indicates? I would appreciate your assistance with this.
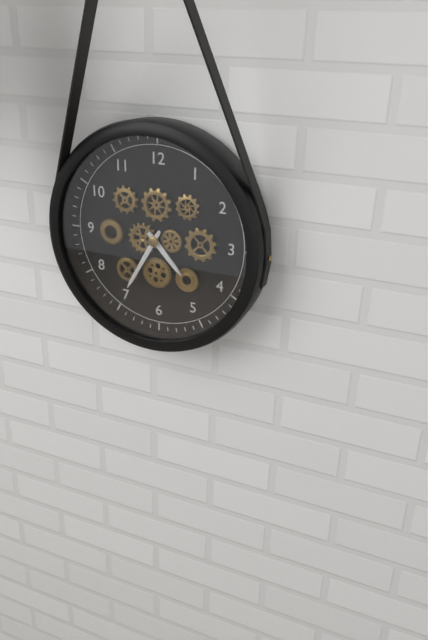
4:35
